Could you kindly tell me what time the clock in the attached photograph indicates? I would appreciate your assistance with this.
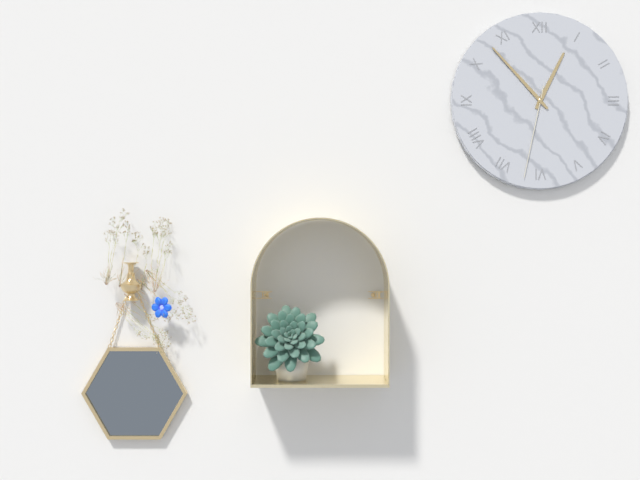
12:53:32
